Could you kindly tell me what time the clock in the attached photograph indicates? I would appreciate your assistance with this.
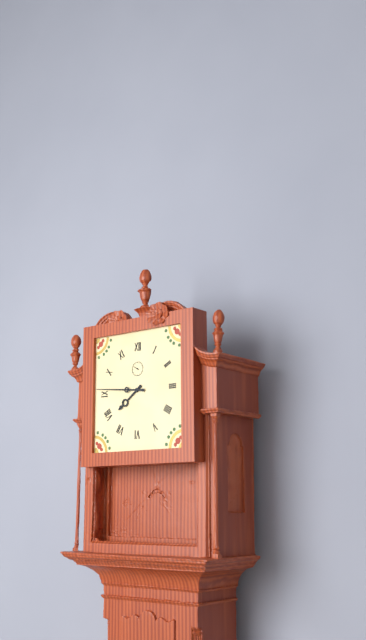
7:46
